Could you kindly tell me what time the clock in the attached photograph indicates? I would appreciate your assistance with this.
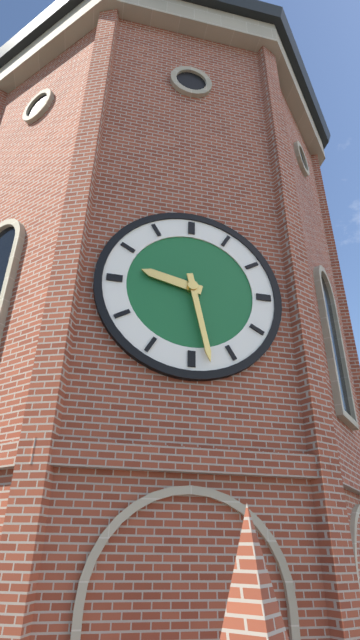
9:28
